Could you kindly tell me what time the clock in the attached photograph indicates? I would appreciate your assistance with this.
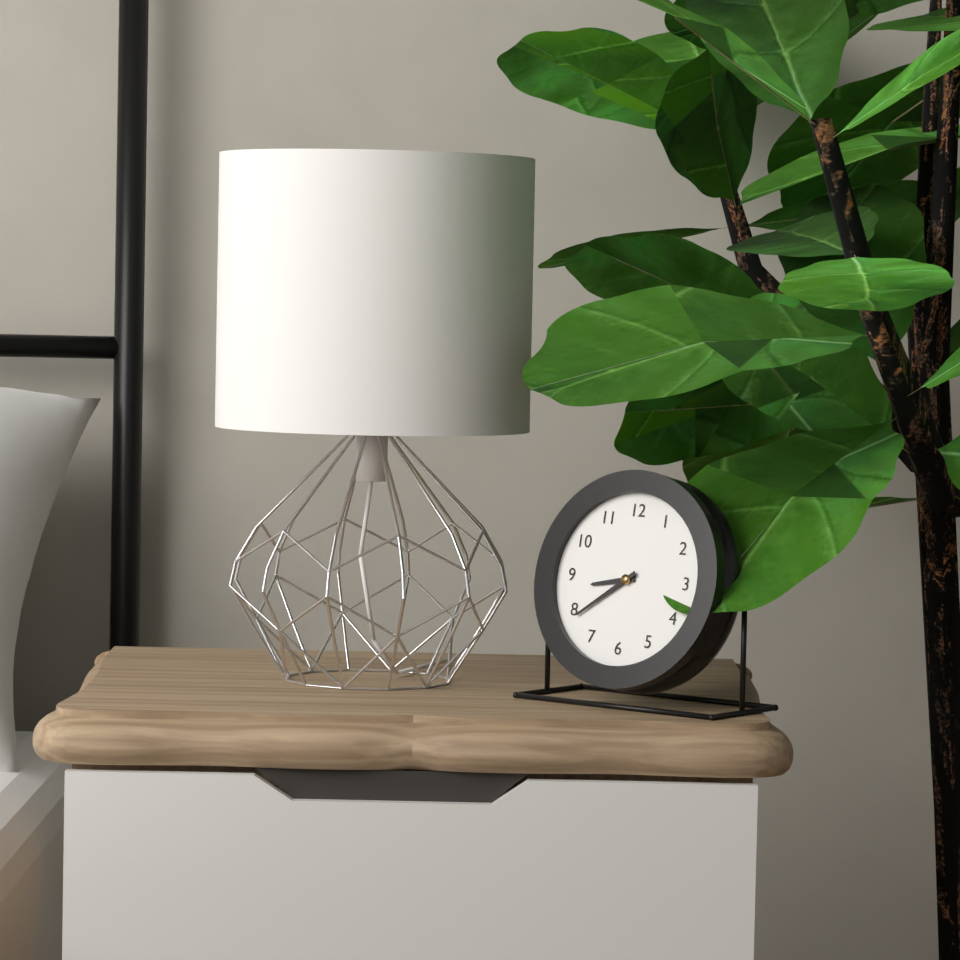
8:39
